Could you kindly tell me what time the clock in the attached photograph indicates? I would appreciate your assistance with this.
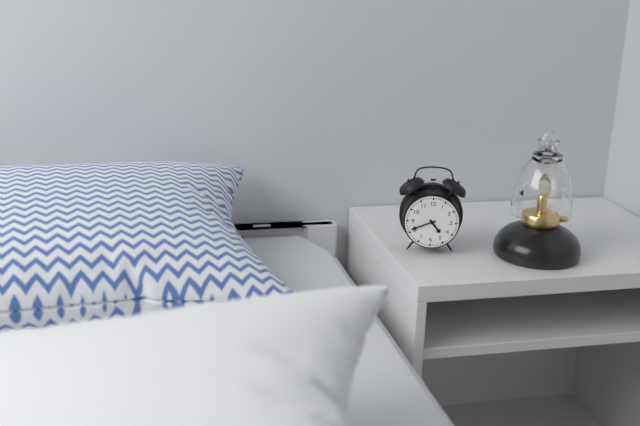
4:41
